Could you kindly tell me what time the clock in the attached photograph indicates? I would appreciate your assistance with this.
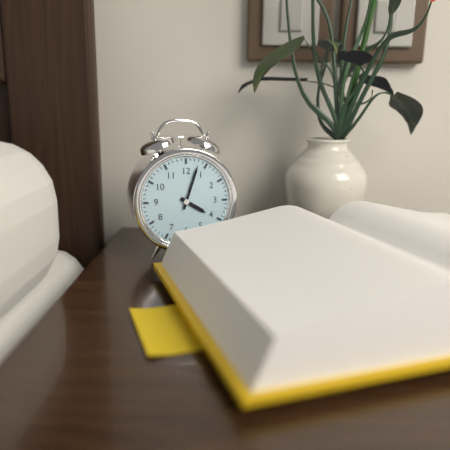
4:03
